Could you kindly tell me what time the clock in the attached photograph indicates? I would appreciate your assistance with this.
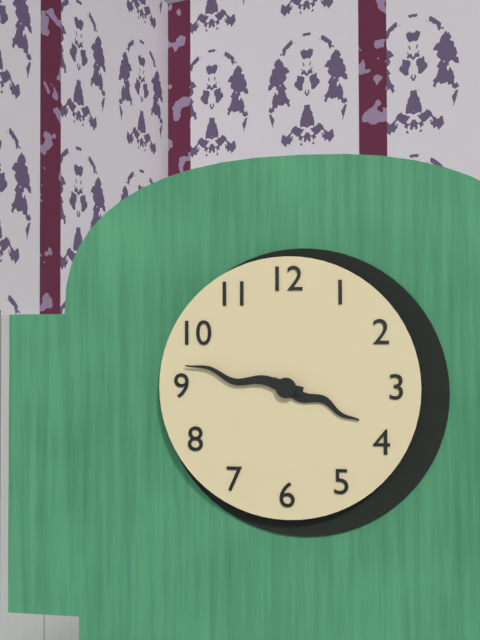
3:47
